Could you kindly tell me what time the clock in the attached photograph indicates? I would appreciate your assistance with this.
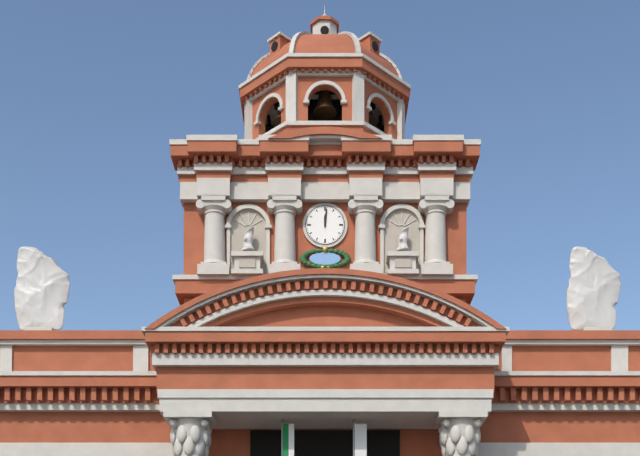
12:01
